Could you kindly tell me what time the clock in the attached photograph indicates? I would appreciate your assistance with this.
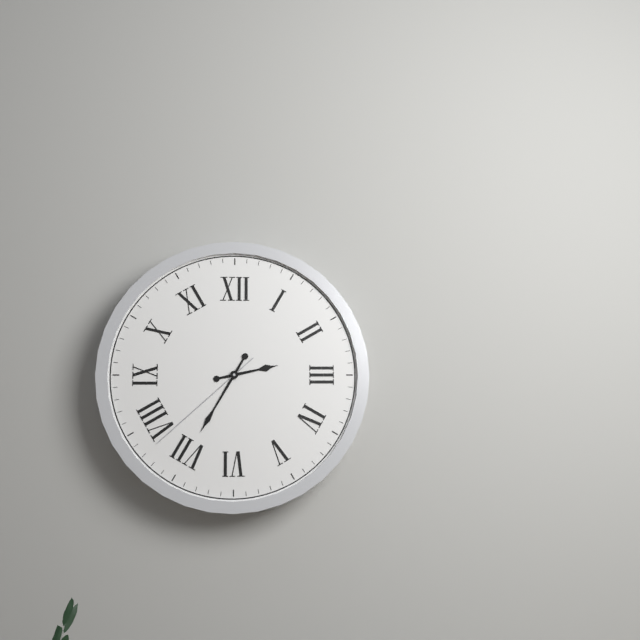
2:35:38
